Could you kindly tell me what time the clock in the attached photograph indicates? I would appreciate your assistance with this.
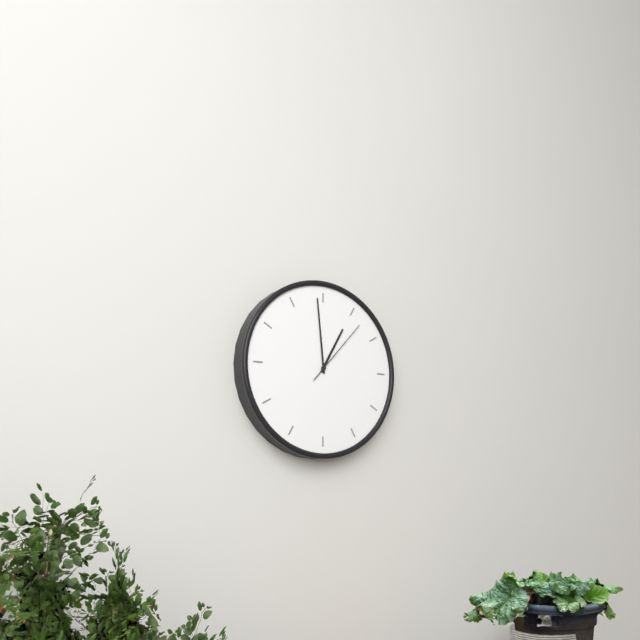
12:59:07
